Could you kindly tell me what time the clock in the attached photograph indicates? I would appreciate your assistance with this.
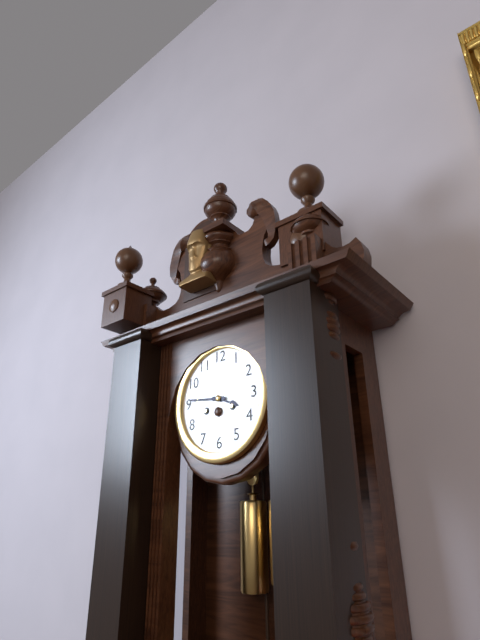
3:46
